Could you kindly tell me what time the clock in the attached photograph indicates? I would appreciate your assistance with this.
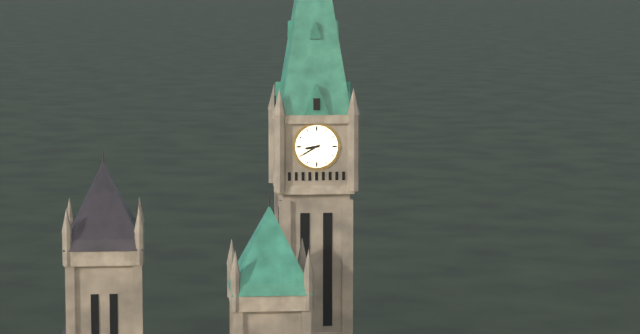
8:40
